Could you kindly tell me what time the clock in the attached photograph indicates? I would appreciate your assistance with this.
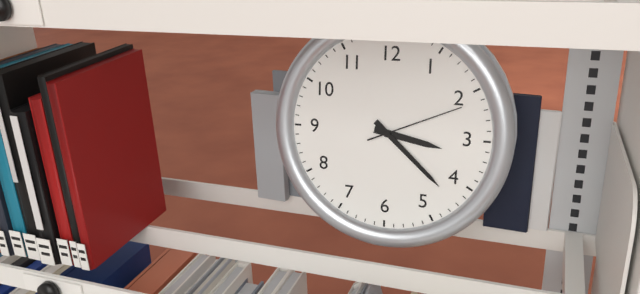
3:22:11
